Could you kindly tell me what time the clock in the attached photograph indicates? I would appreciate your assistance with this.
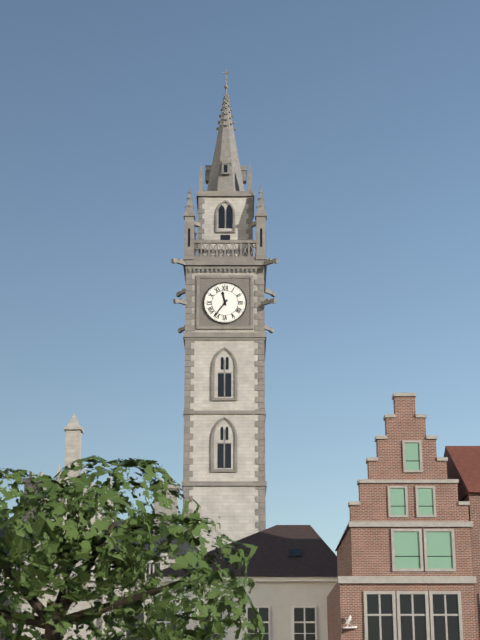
11:36
